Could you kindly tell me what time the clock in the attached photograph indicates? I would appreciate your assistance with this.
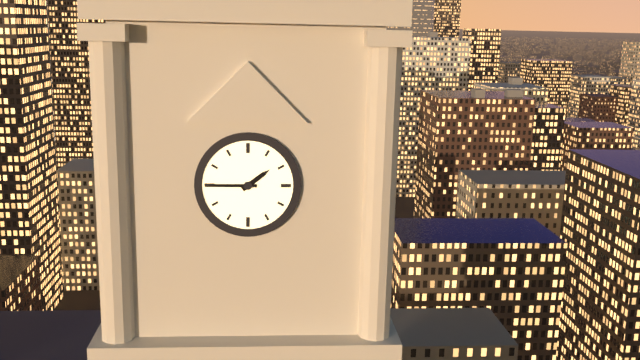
1:45
